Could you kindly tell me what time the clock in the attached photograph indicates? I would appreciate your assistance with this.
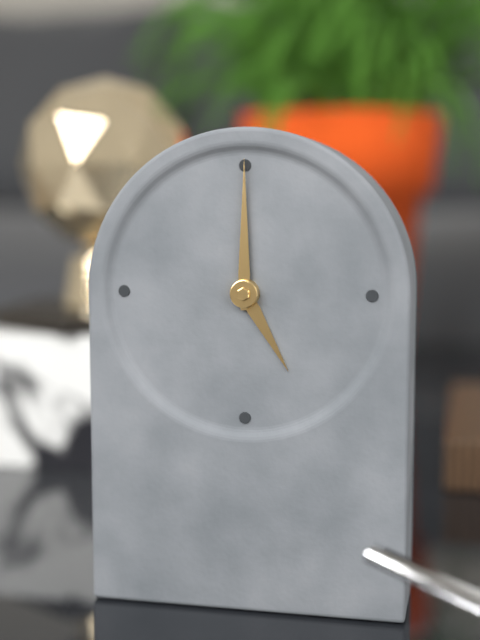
5:00
